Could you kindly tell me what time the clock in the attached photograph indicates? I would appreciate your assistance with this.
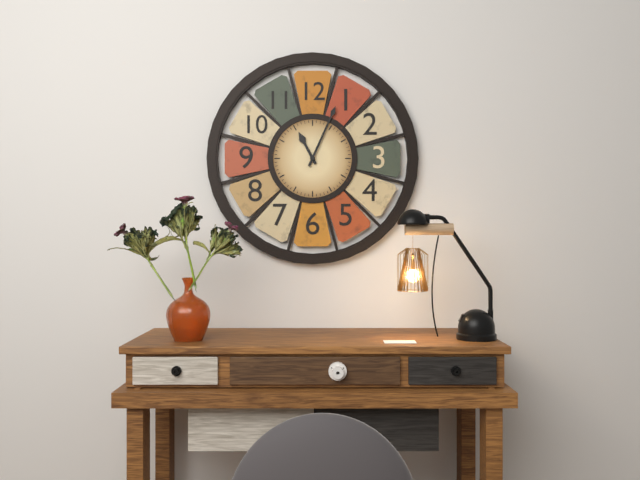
11:04
